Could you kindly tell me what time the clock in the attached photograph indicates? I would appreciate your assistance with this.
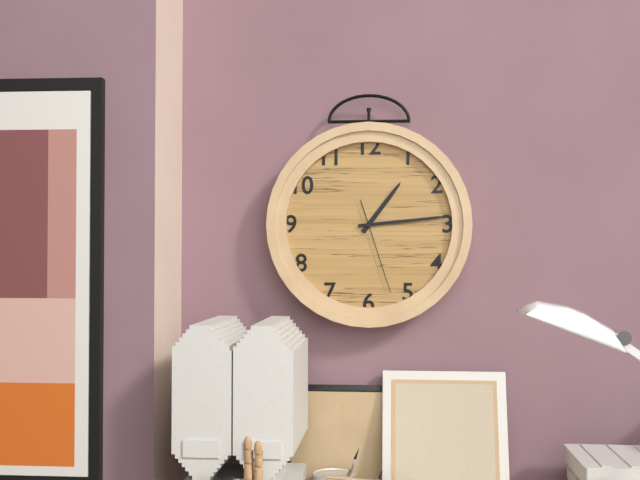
1:14:27
